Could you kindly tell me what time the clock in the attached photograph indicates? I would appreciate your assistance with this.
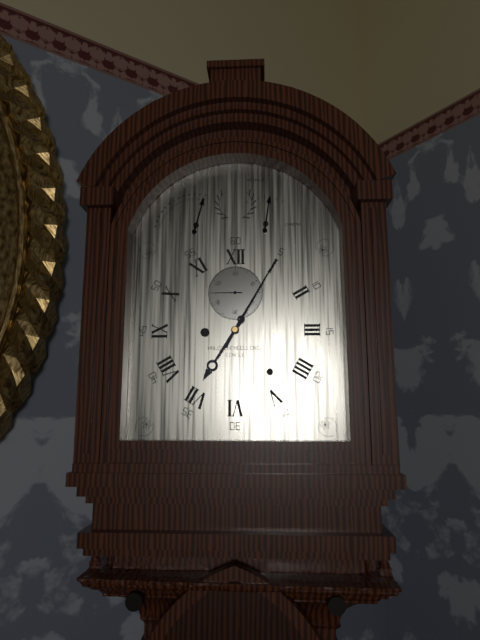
7:05
